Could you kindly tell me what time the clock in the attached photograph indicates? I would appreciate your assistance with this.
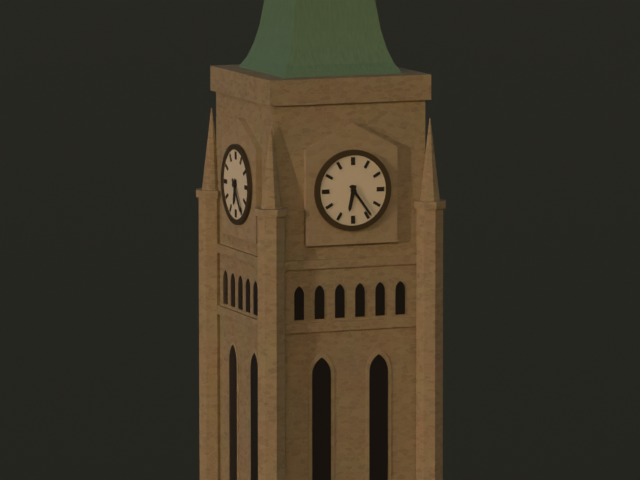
6:24
